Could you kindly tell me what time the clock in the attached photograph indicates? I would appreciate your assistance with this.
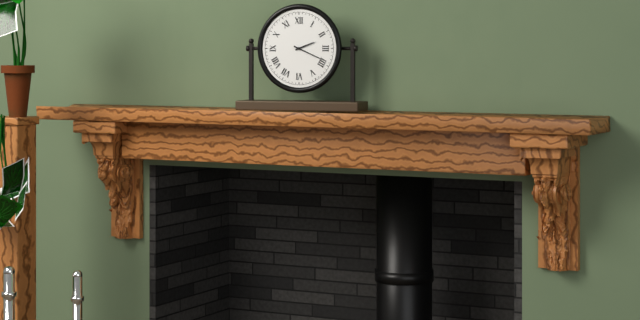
2:19
